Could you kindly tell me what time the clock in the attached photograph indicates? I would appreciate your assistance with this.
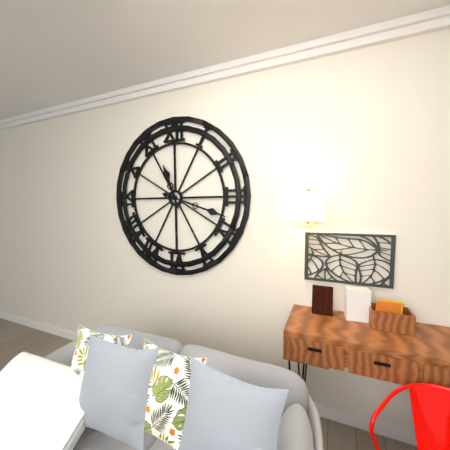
11:18
